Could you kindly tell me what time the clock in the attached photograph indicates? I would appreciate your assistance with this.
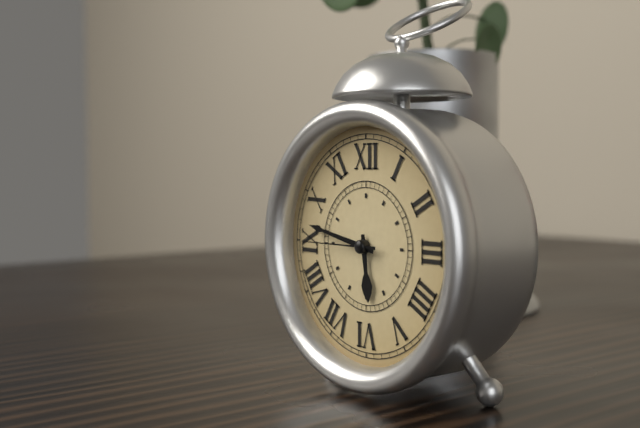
5:47:45
